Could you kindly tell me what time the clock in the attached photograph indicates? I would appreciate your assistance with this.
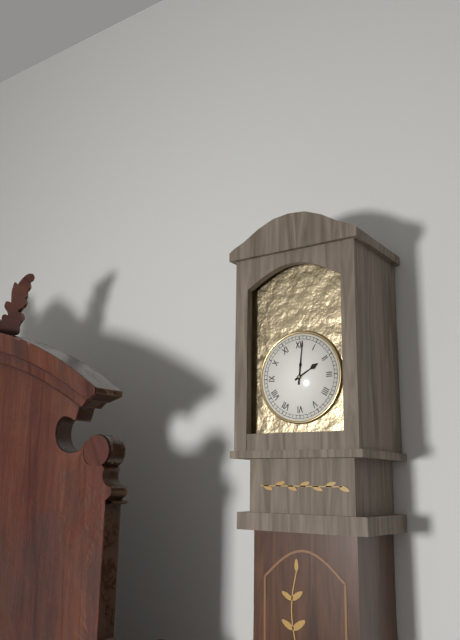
2:01
